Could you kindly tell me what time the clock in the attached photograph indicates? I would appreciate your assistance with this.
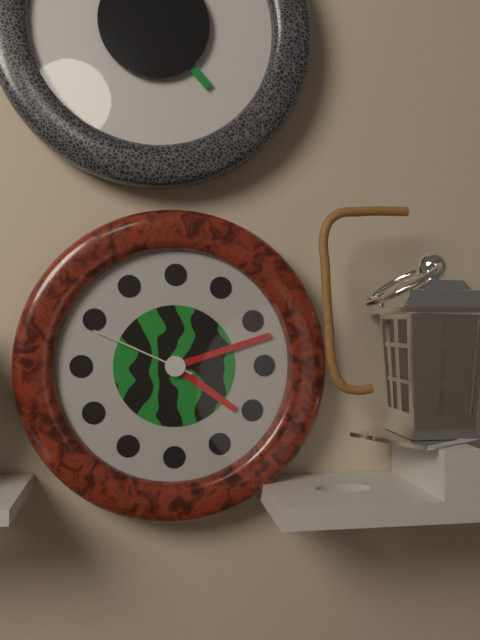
4:12:49
